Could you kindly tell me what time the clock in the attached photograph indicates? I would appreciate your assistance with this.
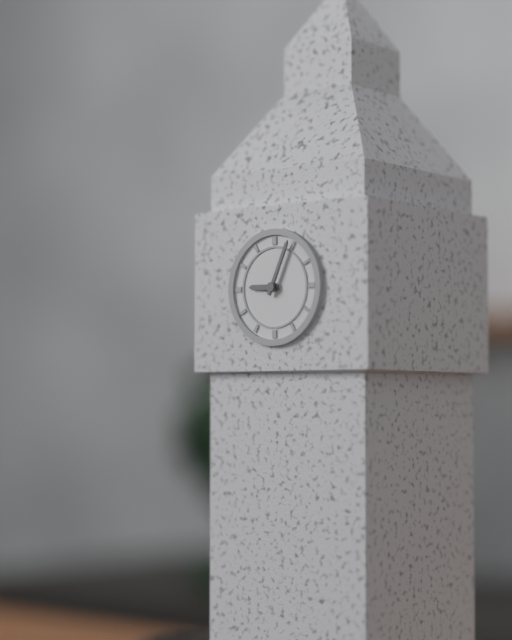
9:04
